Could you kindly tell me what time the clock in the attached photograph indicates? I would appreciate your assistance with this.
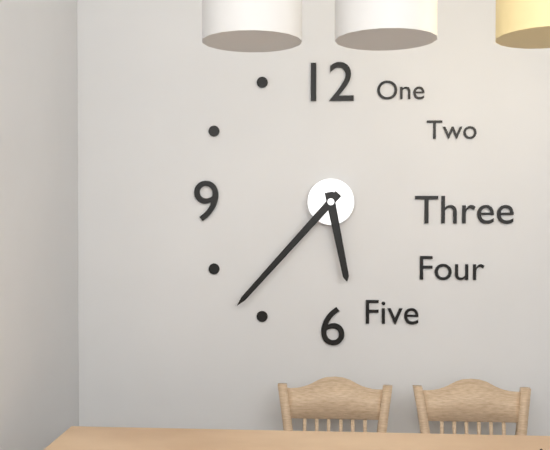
5:37
